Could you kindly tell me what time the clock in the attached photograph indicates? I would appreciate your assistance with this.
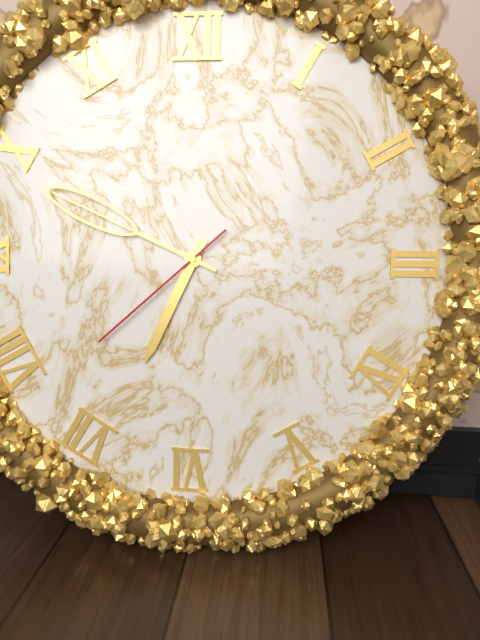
6:49:38
